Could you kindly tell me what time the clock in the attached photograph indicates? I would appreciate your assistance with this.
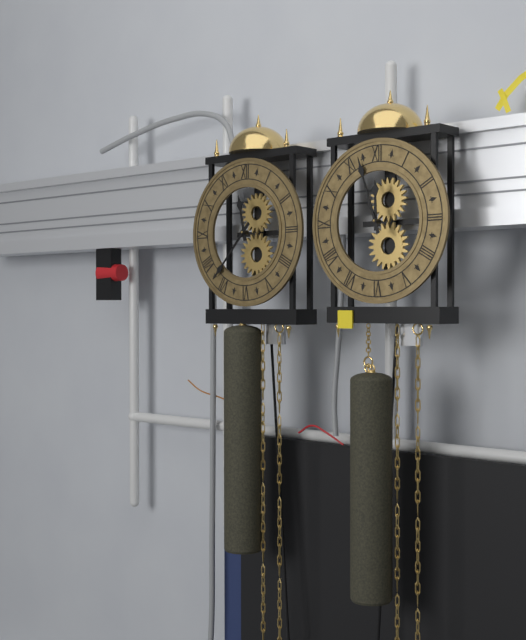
11:37
